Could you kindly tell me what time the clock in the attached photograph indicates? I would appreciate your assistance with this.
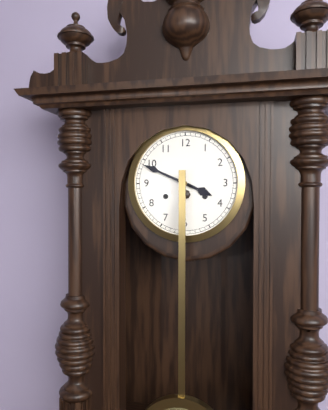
3:49
